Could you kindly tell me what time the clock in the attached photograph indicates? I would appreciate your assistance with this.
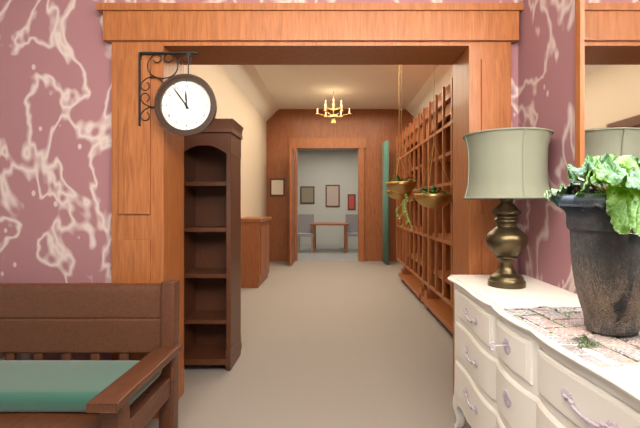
11:54
